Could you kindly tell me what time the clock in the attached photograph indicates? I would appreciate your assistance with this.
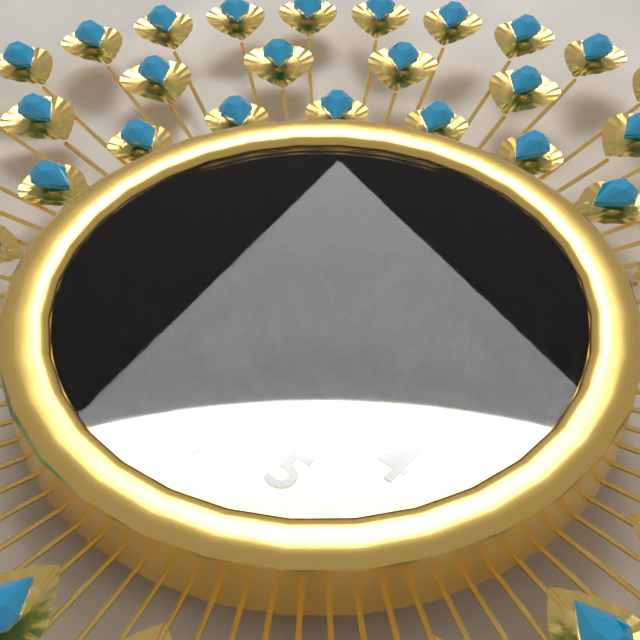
6:49:09
